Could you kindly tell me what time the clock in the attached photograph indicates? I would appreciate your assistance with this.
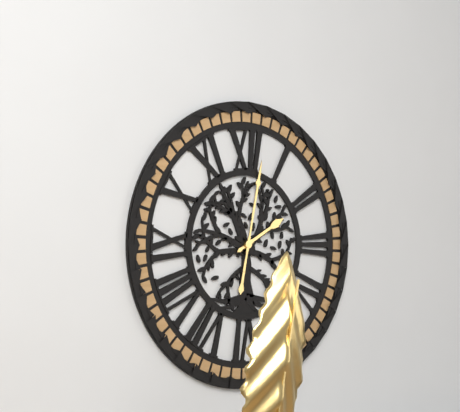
2:02
